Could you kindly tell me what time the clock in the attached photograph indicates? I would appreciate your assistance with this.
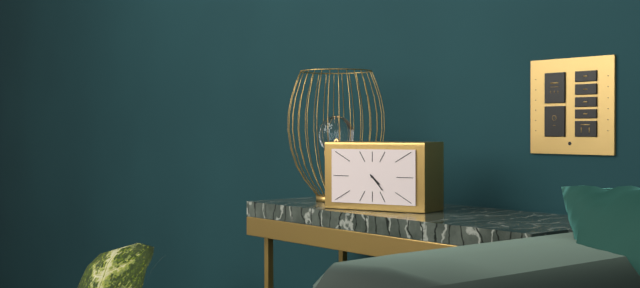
4:23
